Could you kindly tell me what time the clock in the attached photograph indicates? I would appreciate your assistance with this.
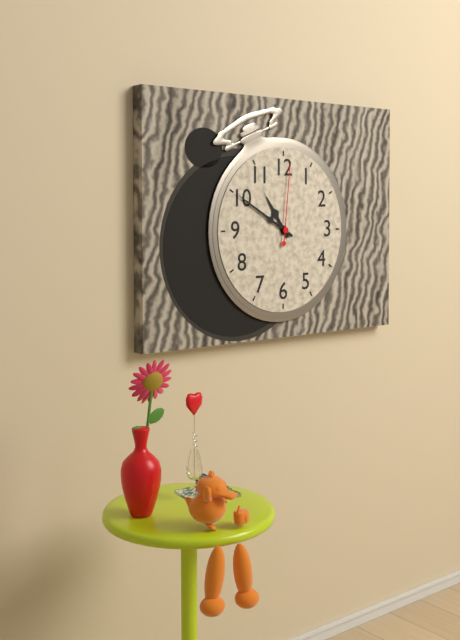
10:50:01
